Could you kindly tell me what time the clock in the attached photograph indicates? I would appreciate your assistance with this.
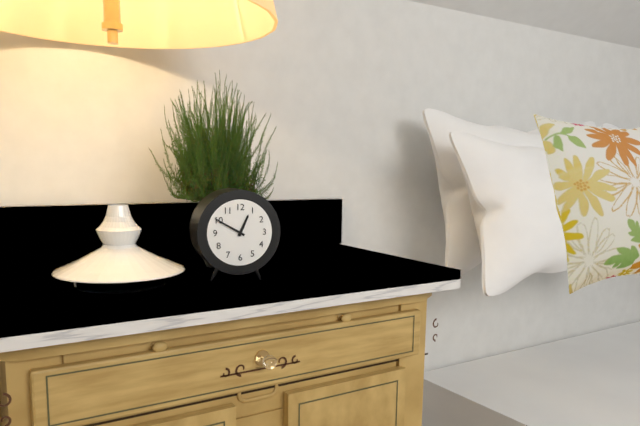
12:50
